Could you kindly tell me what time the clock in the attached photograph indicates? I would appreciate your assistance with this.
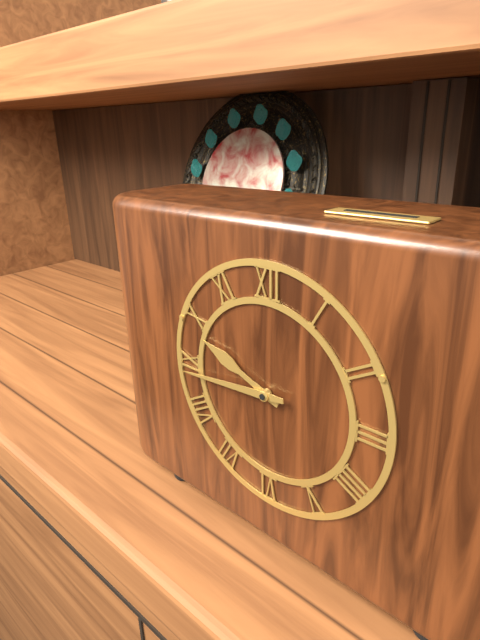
9:44
